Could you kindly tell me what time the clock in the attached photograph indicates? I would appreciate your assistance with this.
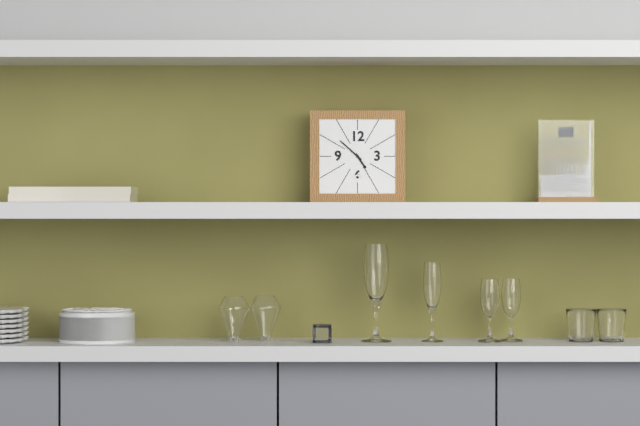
4:52
